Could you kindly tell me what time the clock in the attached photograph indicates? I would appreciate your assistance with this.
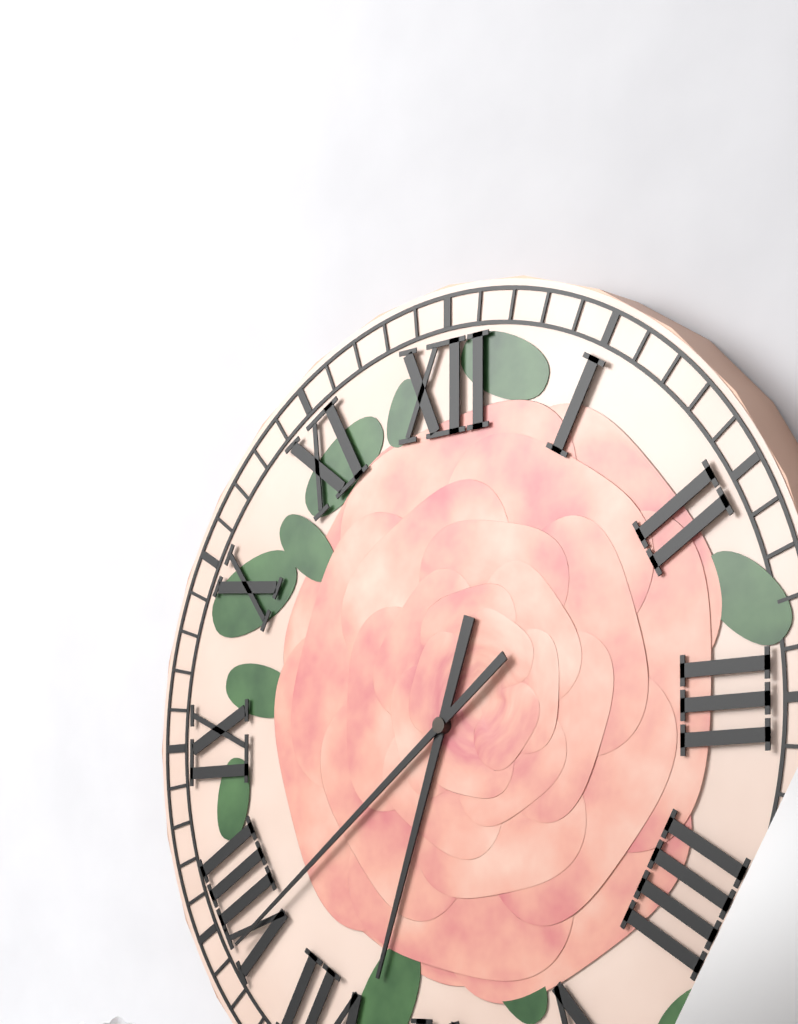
6:39
